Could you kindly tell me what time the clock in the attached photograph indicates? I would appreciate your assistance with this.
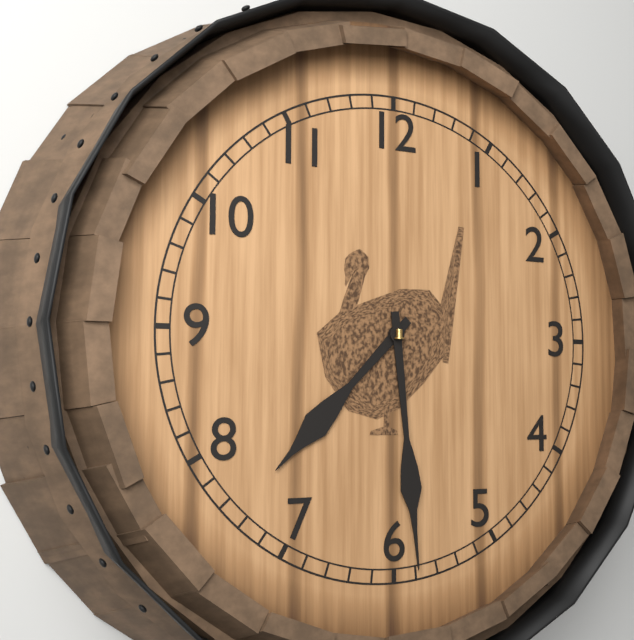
7:29
